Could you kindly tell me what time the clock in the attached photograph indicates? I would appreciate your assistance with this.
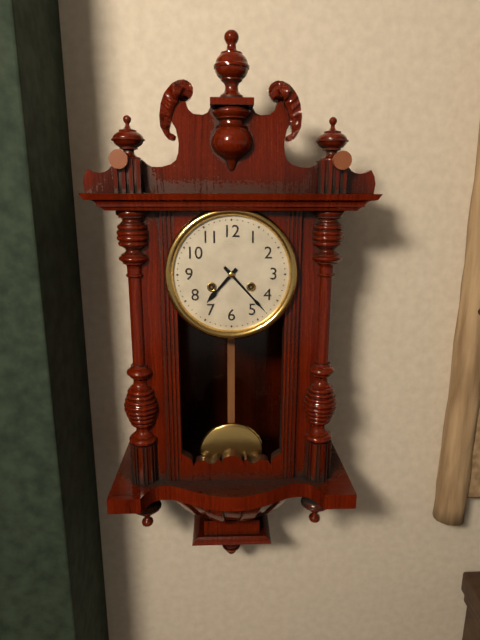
7:23
